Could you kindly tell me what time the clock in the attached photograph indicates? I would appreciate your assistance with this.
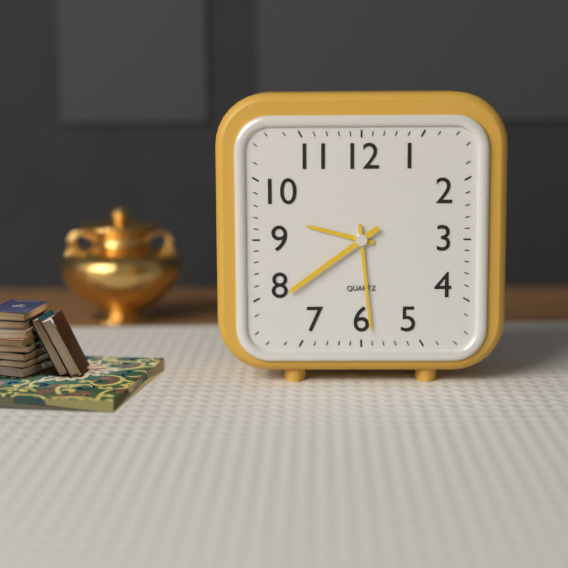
9:29:39
